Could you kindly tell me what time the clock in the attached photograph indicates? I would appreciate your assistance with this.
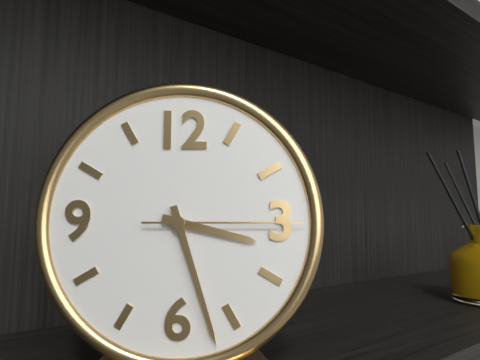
3:27:15
